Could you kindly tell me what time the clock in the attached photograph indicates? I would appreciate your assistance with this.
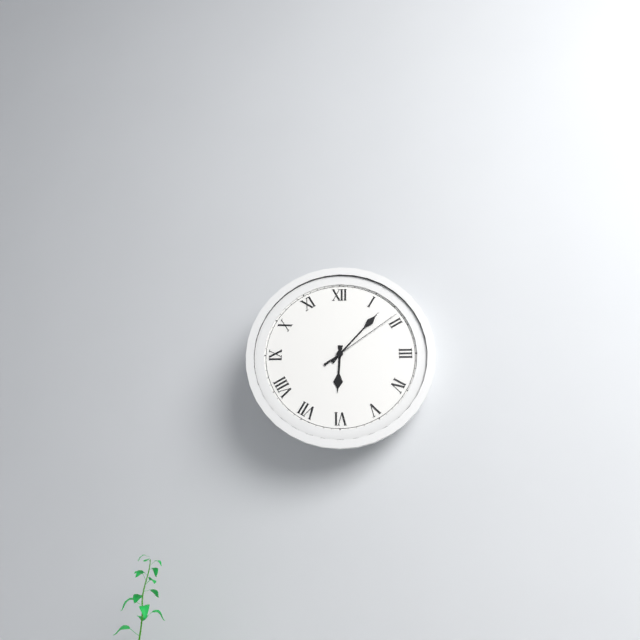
6:07:09
